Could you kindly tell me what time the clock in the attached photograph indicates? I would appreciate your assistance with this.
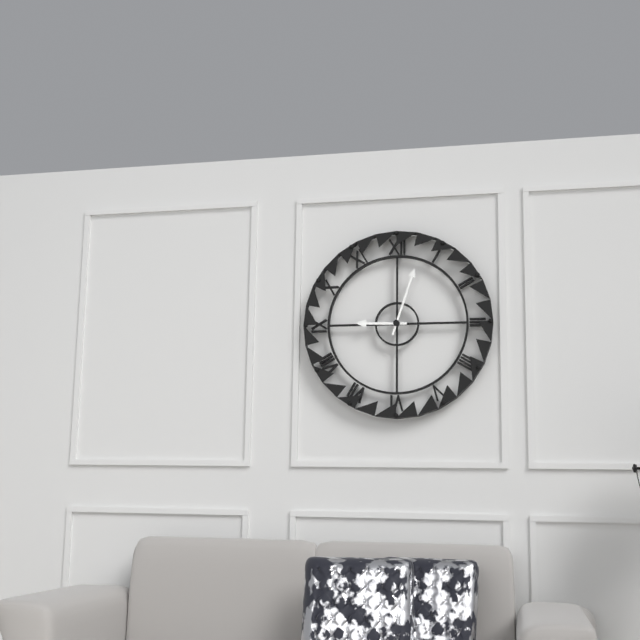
9:03
